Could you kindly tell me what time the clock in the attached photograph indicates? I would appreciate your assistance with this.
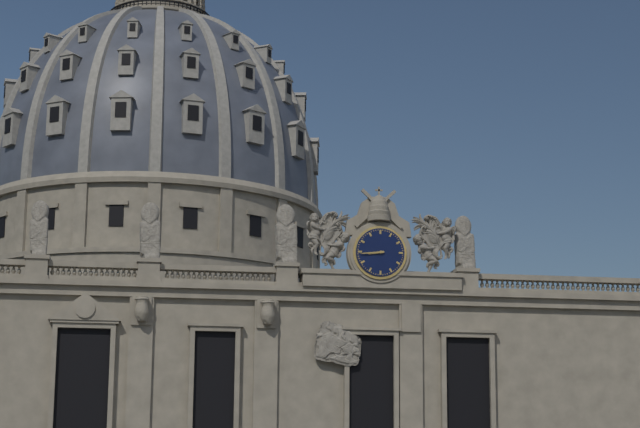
8:44
